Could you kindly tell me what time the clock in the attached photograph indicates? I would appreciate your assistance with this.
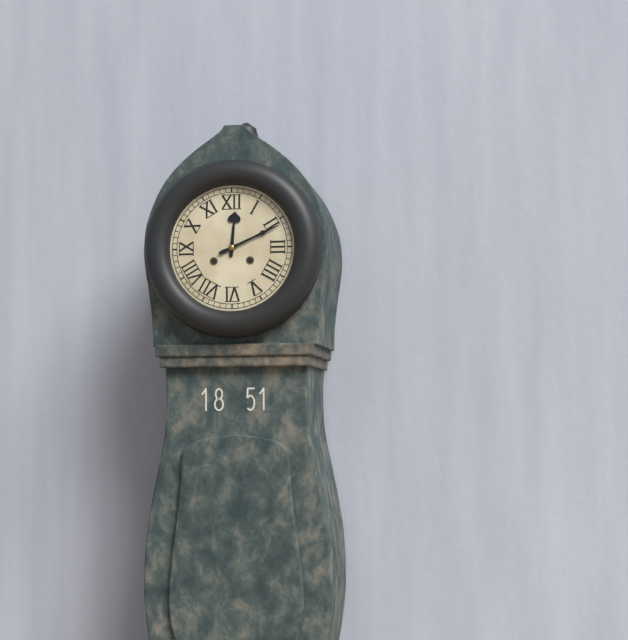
12:11
